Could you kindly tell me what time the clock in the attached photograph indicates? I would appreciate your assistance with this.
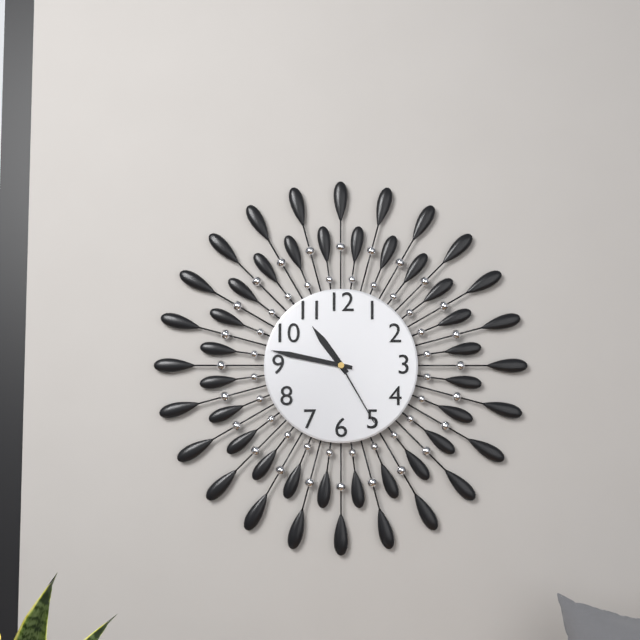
10:47:25
